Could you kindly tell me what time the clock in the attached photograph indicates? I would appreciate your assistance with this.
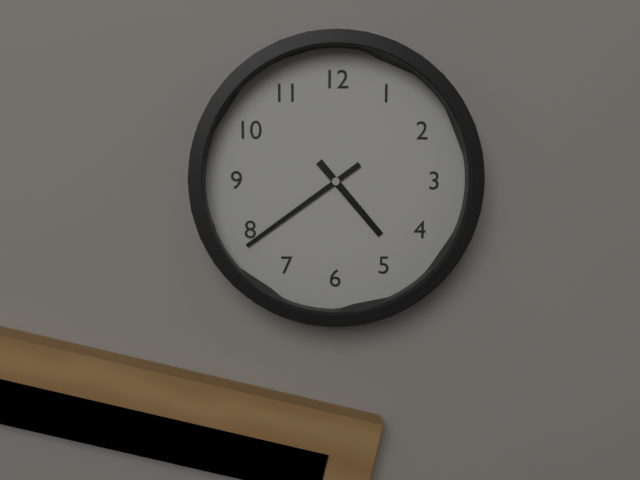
4:39
